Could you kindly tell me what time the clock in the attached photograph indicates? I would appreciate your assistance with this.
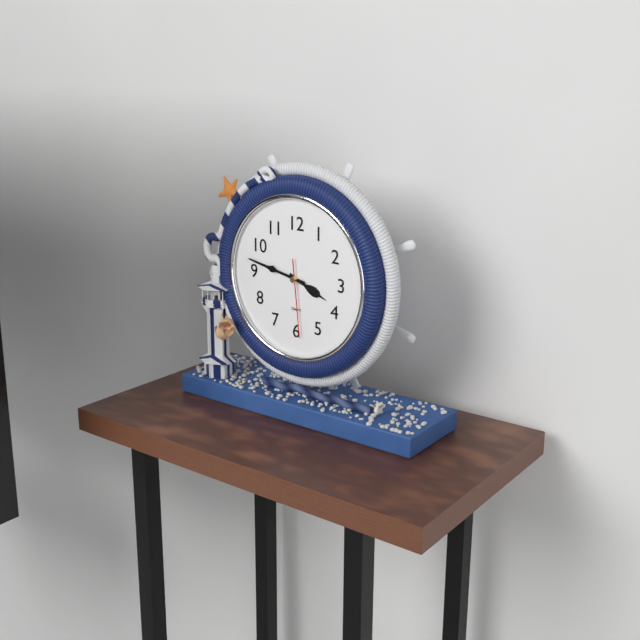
3:47:29
